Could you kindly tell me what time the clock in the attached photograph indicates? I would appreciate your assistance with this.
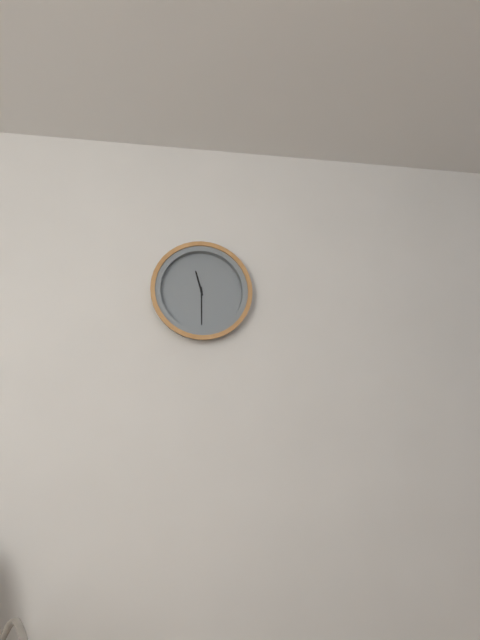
11:30
